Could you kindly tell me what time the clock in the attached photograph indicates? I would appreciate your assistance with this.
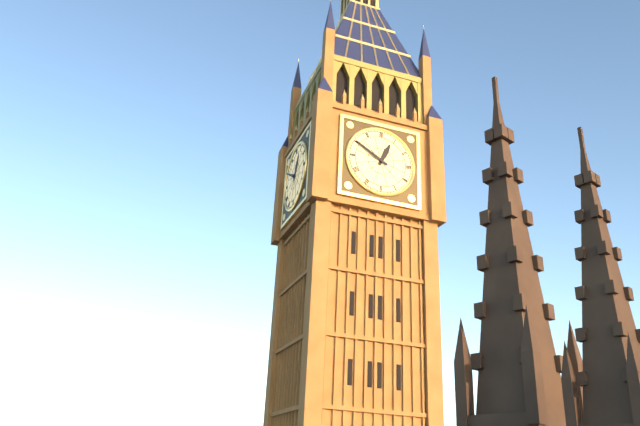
12:50
